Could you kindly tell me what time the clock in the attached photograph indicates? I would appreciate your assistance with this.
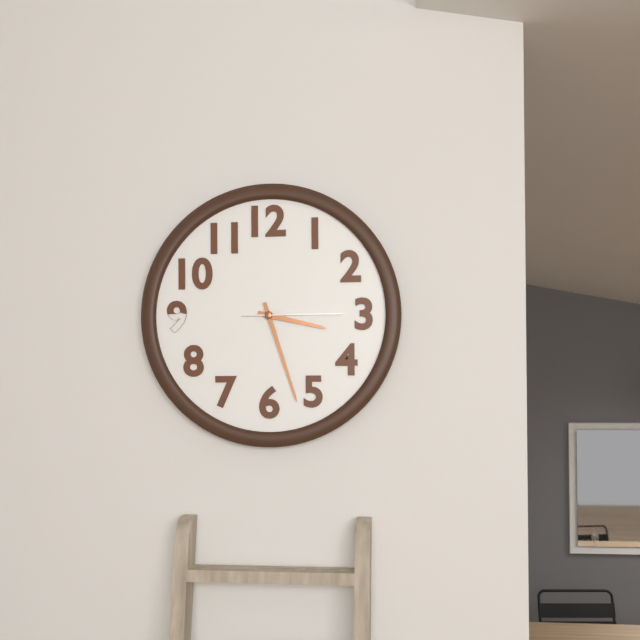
3:27:15
